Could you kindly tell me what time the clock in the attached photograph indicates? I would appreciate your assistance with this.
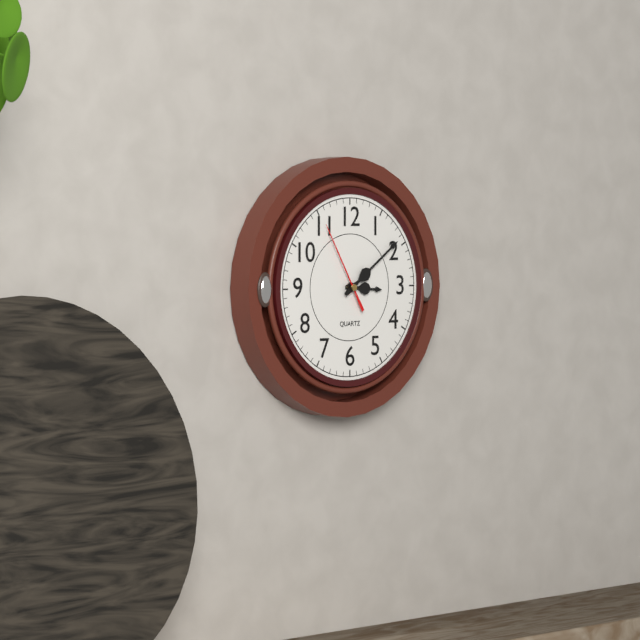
3:09:55
